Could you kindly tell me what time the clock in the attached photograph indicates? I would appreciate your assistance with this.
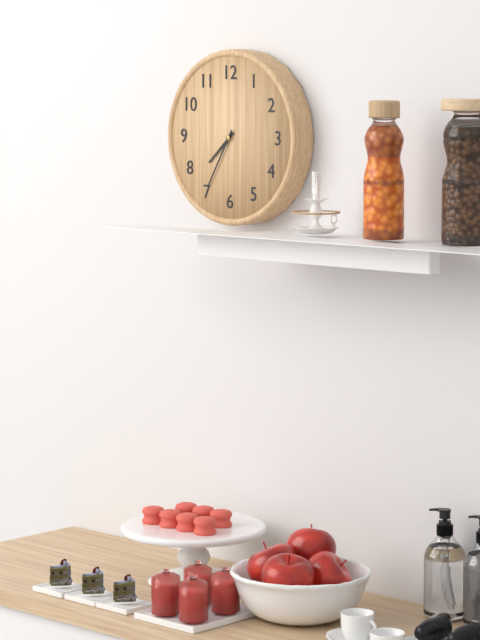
7:35
